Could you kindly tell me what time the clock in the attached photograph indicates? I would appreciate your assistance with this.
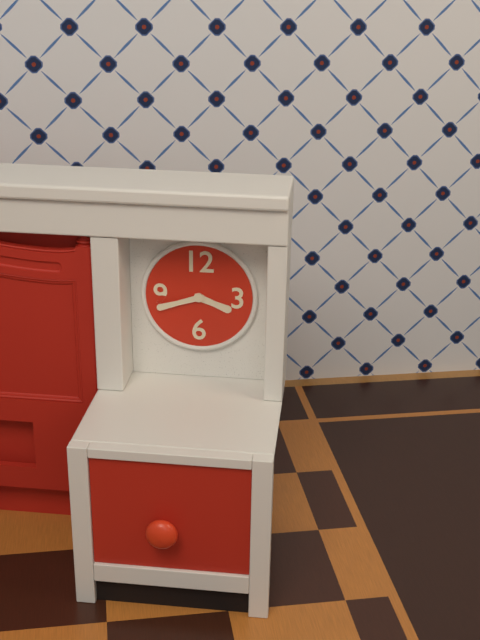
3:42
